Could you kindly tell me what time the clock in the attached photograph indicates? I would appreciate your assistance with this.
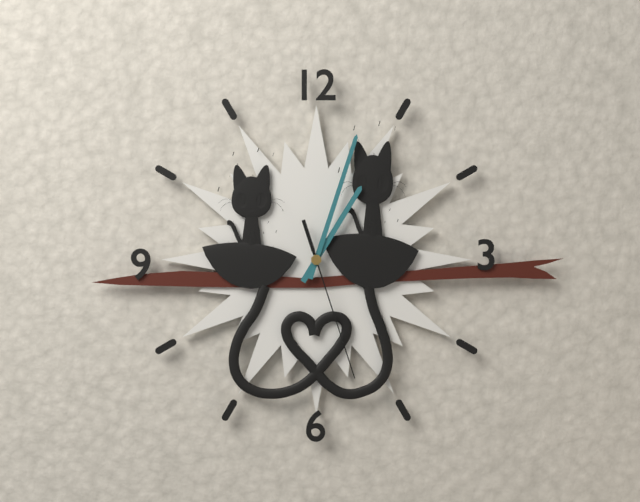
1:03:27
